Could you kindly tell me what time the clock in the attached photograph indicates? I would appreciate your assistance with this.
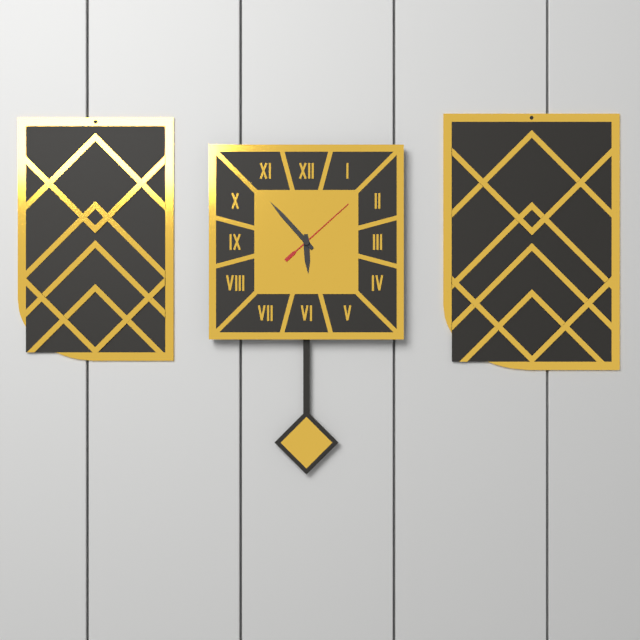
5:53:08
